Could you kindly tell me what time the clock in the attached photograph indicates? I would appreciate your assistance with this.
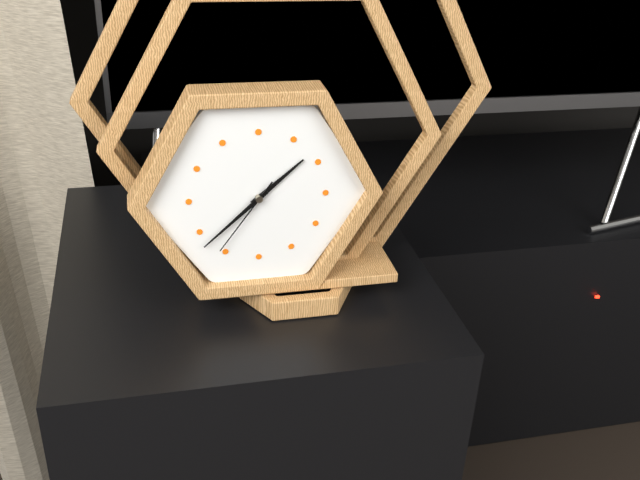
1:38:36
